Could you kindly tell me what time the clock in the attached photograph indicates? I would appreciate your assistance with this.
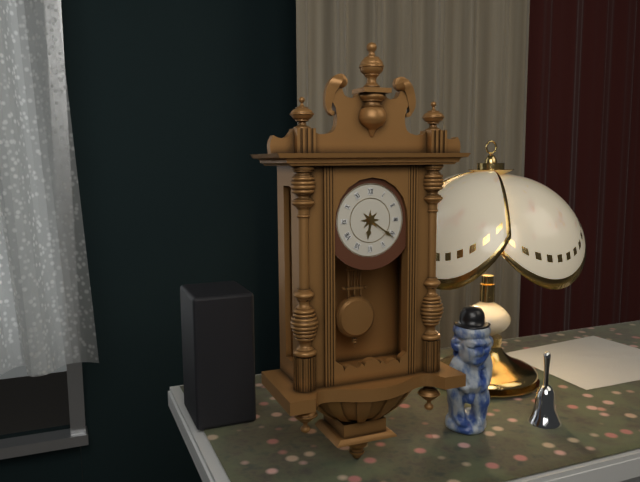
6:21
